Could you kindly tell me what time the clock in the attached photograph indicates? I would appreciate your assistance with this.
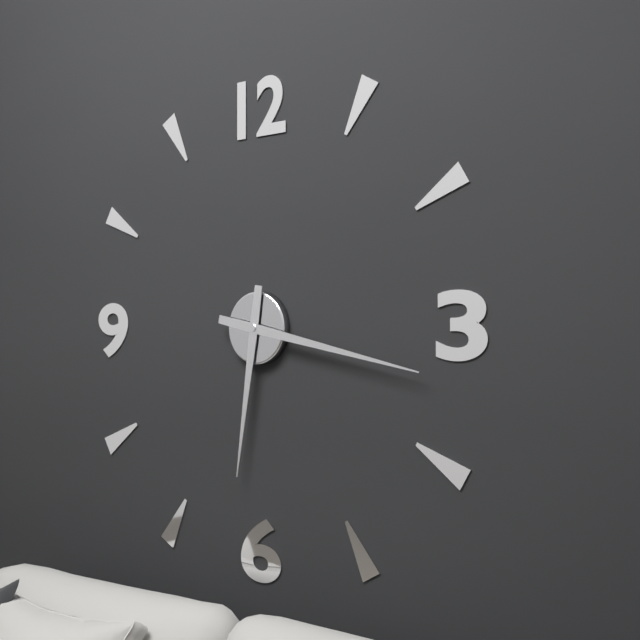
6:17
